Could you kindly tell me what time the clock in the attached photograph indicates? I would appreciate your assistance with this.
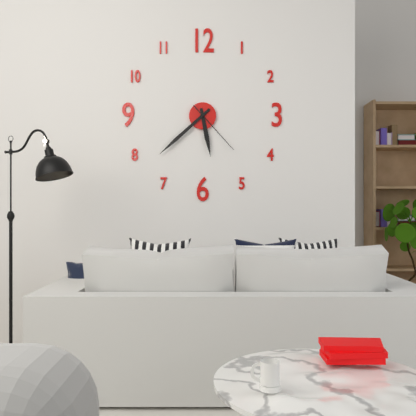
5:38:23
